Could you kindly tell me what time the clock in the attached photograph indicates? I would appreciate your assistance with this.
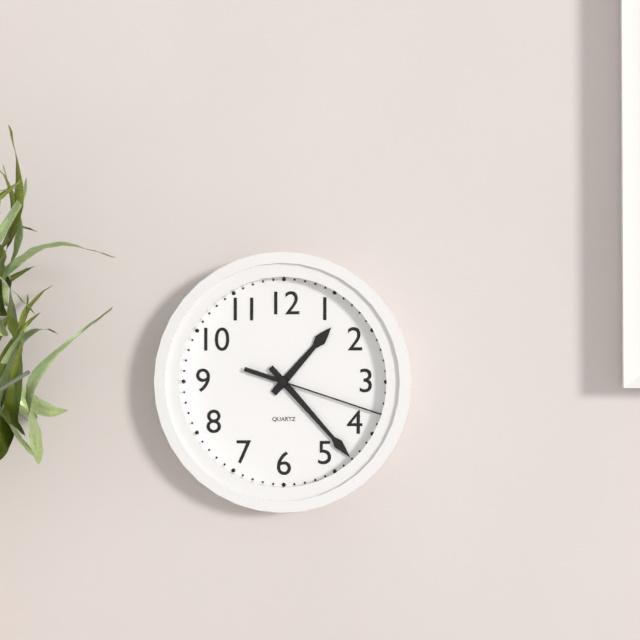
1:23:18
